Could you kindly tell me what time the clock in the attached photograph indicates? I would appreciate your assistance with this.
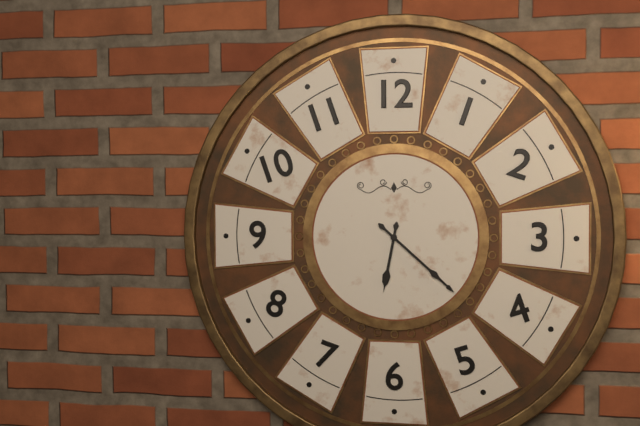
6:22
